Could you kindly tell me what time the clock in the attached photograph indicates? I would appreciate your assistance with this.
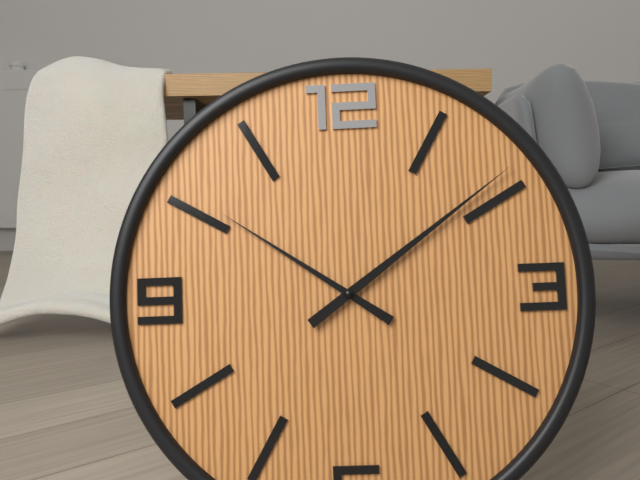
10:09
